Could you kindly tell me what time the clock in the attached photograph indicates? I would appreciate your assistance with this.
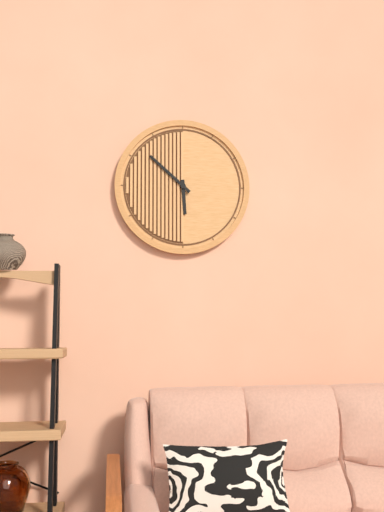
5:52
